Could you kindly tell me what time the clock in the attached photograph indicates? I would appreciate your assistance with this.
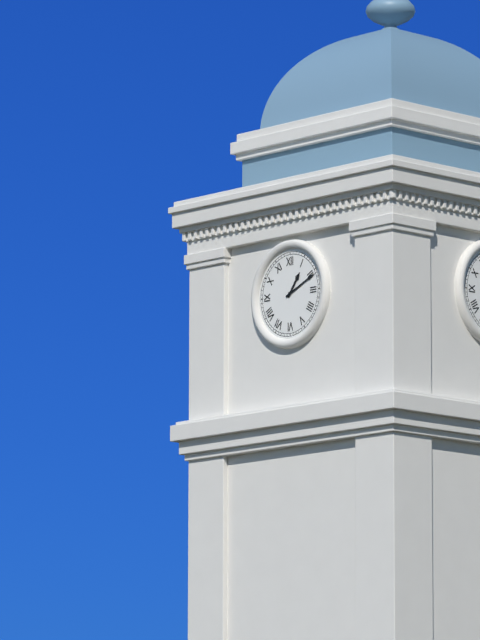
1:11
